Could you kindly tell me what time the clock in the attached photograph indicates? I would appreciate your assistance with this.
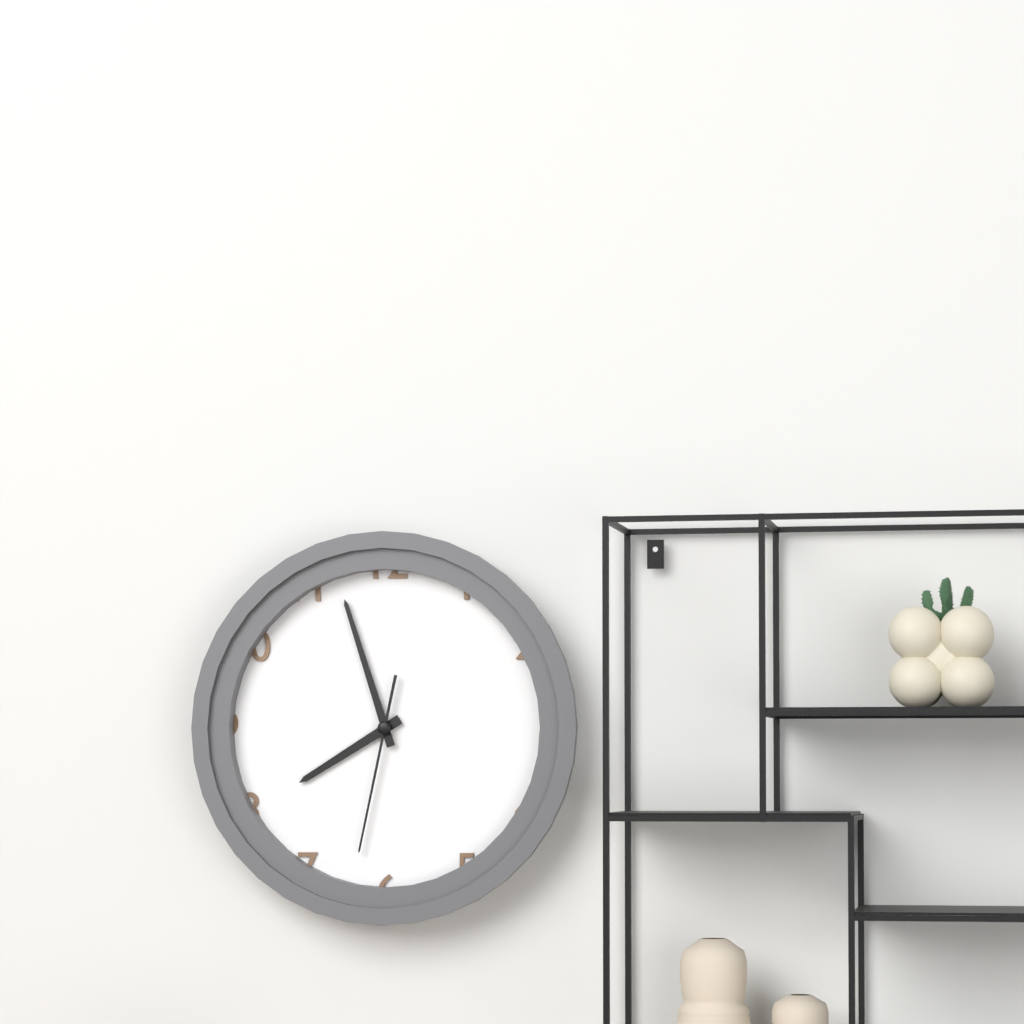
7:57:32
